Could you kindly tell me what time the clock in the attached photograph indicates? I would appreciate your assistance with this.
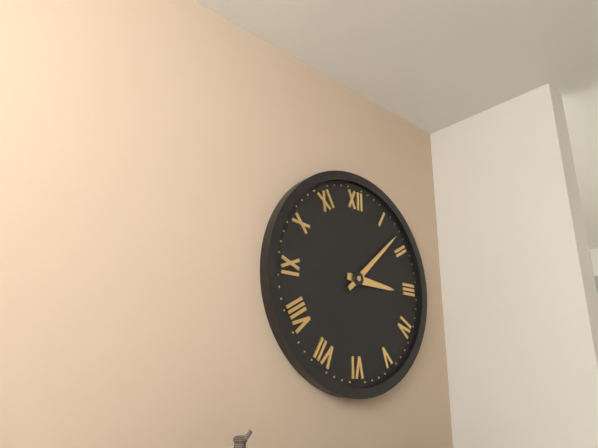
3:08
